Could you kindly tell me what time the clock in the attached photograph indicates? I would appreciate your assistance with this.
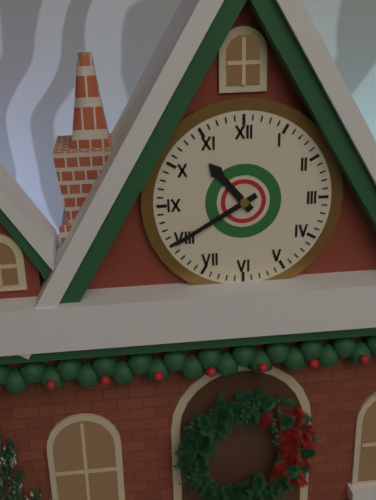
10:40
